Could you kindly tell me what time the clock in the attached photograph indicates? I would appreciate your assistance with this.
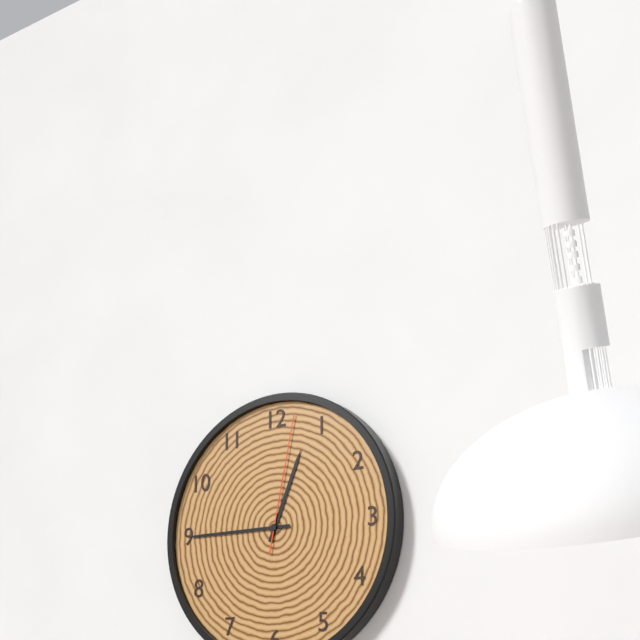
12:45:02
